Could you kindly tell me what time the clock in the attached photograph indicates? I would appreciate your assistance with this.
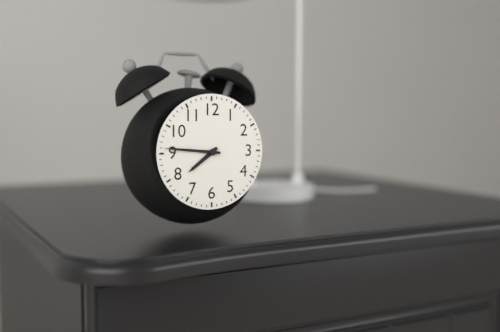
7:46
